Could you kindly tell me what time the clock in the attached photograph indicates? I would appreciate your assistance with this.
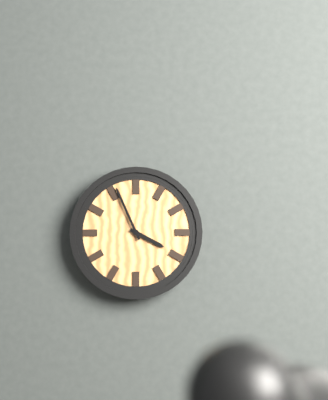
3:56
